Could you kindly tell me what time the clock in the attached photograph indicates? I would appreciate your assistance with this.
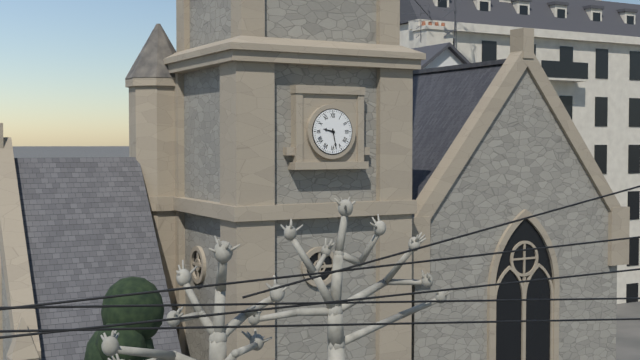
9:28
